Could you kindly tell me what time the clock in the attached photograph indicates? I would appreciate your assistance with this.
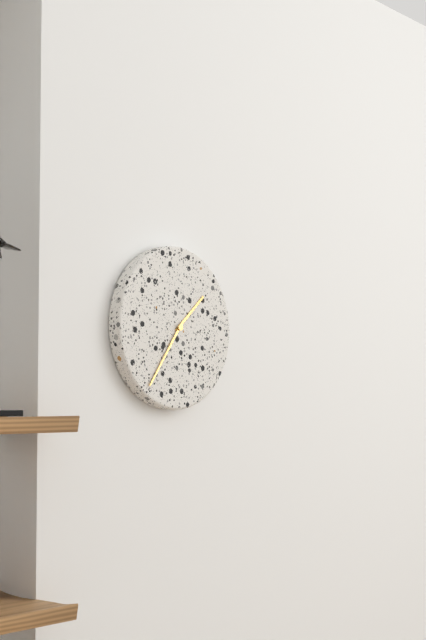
1:36
